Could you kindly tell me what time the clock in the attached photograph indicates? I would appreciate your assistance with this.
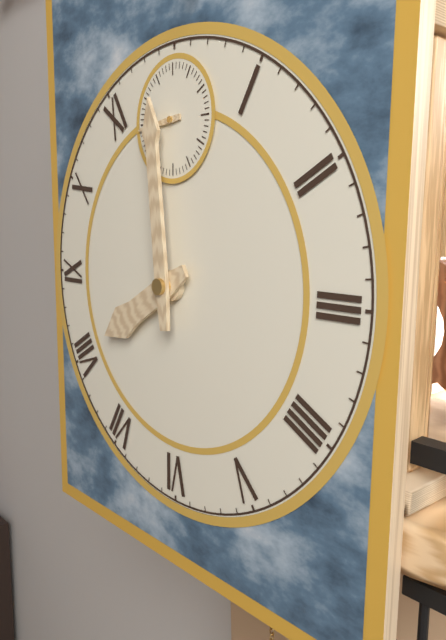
7:59
